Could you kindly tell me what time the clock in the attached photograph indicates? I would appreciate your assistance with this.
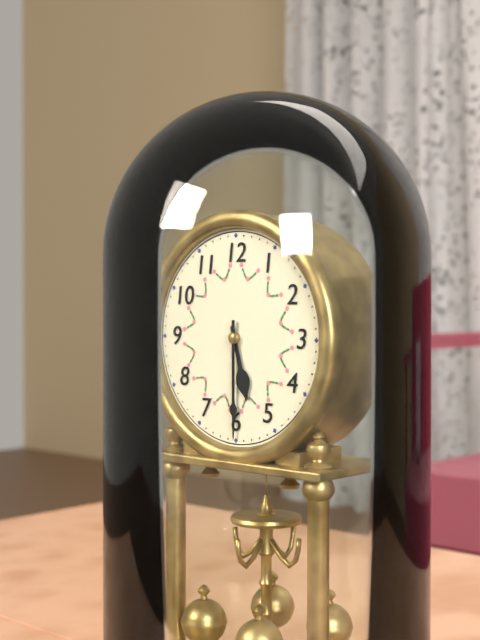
5:30
